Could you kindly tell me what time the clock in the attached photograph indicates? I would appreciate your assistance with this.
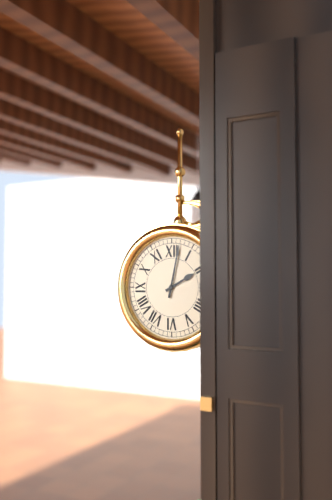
2:02
